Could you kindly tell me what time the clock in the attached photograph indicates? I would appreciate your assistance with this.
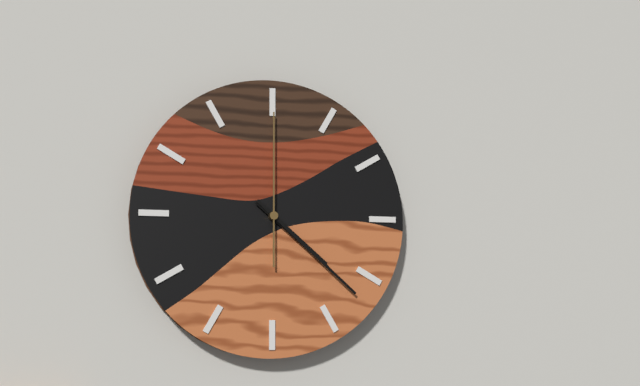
4:22:00
